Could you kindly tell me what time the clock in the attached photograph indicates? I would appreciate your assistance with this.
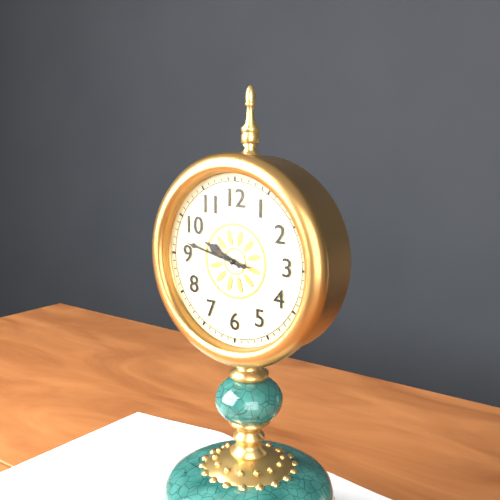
9:47
